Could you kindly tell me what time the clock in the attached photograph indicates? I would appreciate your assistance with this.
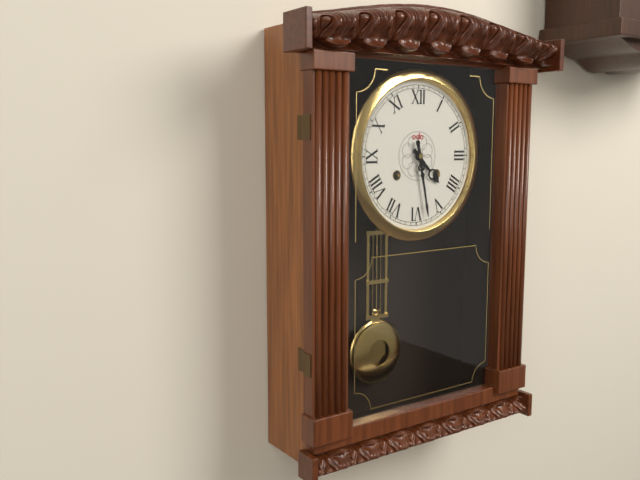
4:28
